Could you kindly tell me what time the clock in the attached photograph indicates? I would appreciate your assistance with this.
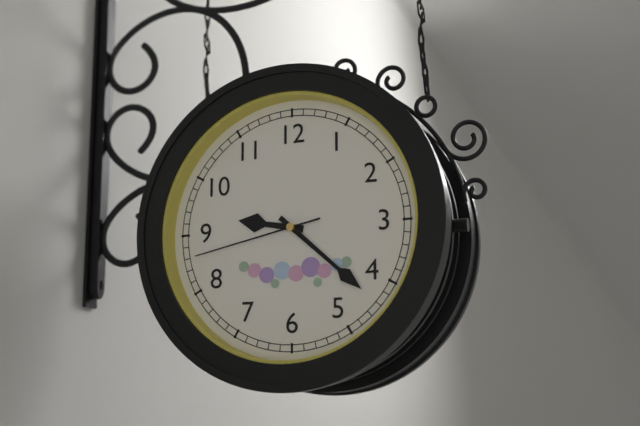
9:22:43
